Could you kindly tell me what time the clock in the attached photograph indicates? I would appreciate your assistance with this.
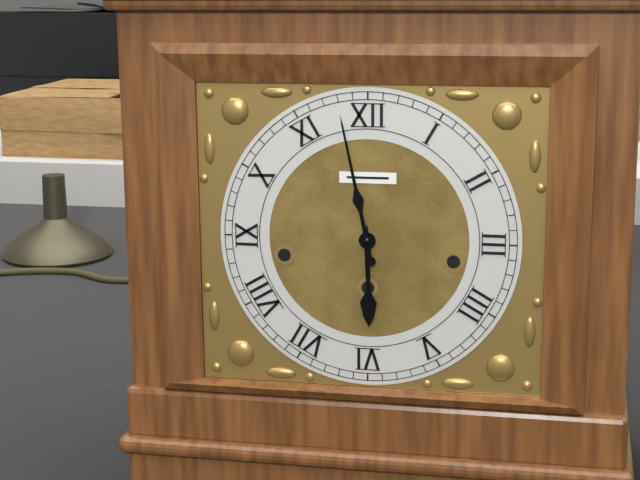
5:58
